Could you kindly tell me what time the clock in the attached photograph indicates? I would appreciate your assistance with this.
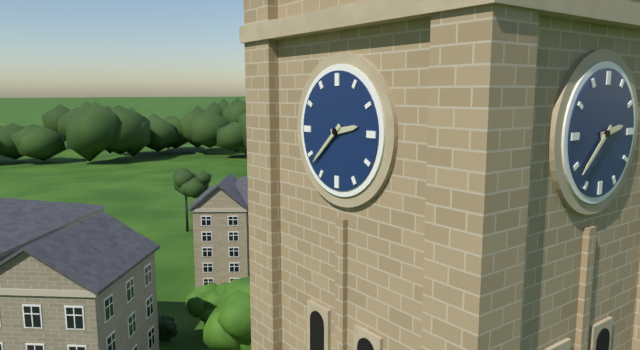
2:38
